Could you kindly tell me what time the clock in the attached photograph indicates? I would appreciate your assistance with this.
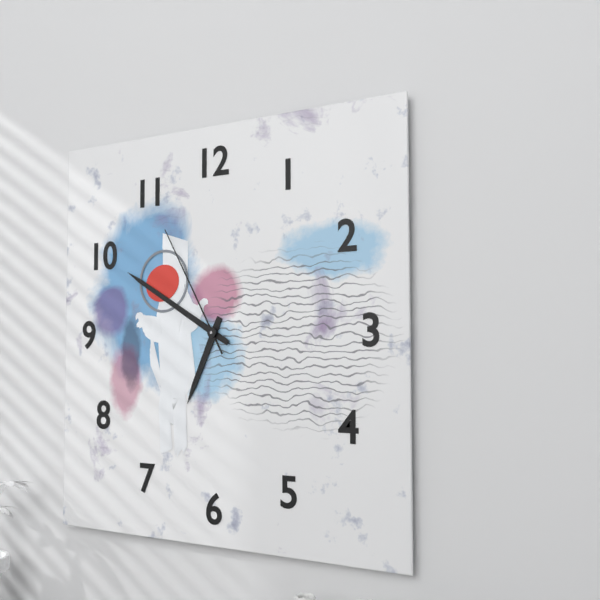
6:50:55
